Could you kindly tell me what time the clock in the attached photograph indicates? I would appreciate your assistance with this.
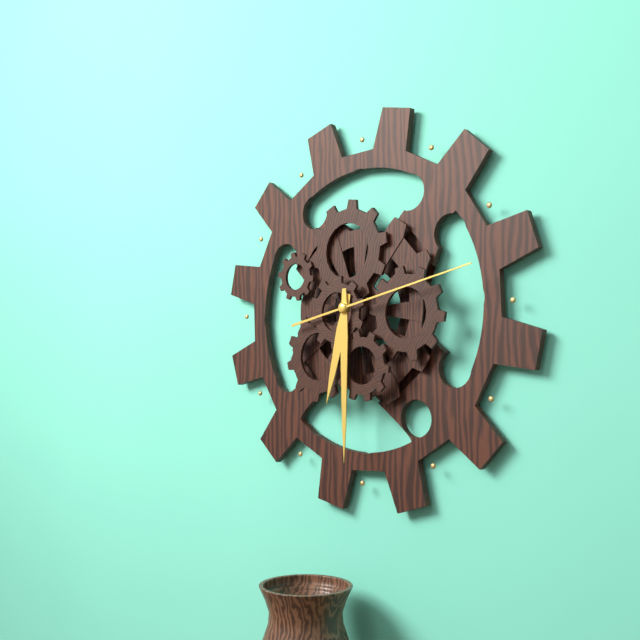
6:30:13
